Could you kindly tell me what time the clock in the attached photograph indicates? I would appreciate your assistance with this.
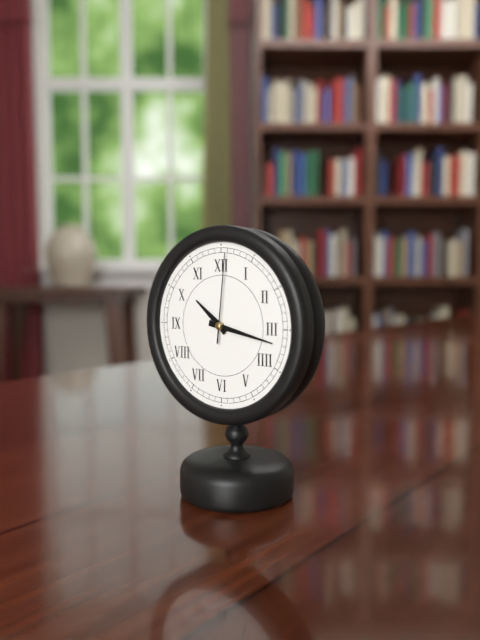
10:17:01
